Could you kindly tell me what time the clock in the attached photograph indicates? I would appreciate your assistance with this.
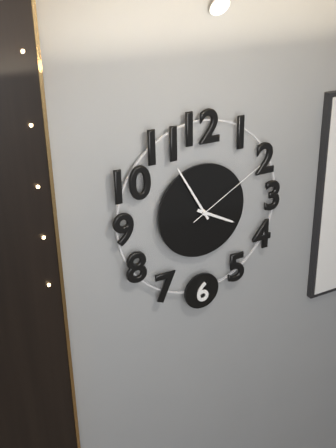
3:55:10
